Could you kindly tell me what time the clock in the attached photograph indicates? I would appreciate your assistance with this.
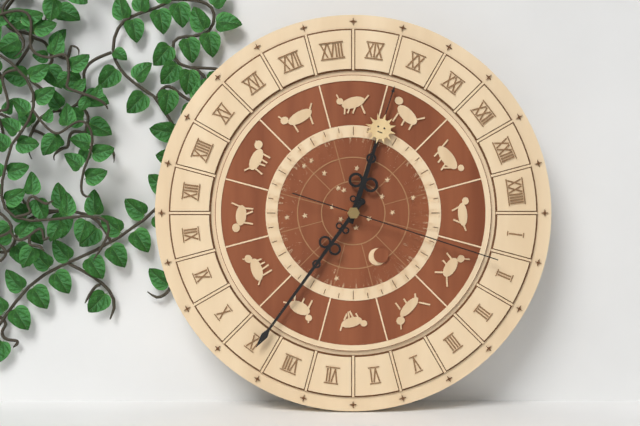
12:36:18
